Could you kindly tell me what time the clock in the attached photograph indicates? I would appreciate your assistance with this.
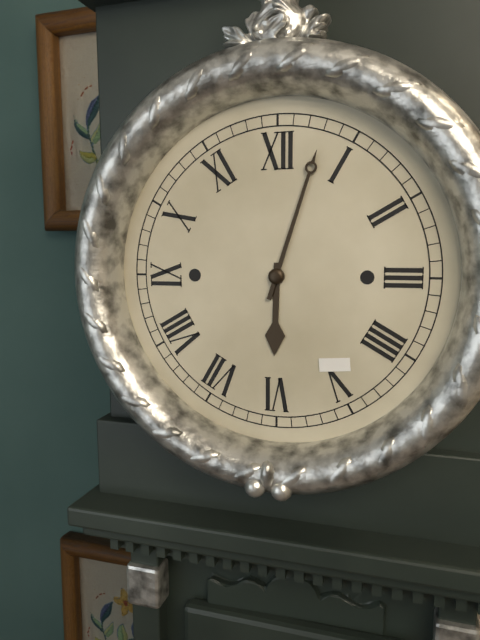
6:03
